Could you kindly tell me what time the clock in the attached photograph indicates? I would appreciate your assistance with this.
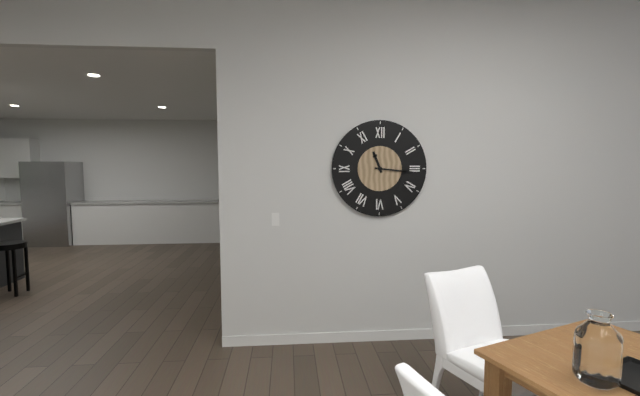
11:16
